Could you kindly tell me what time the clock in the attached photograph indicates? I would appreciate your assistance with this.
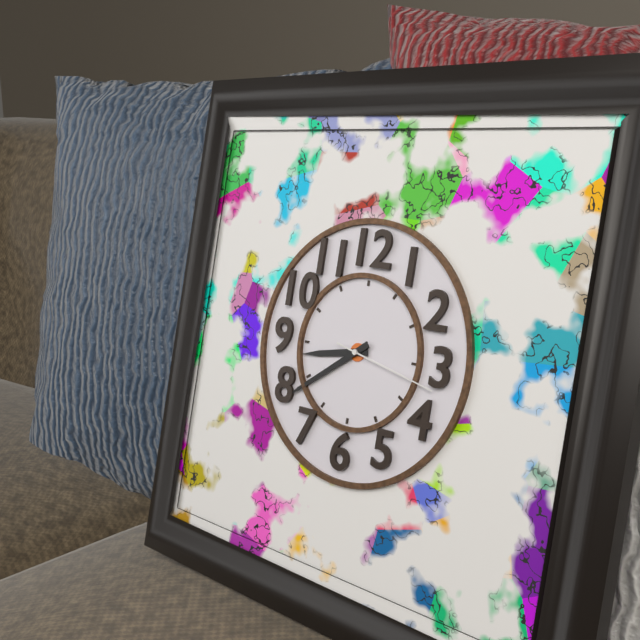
8:39:17
